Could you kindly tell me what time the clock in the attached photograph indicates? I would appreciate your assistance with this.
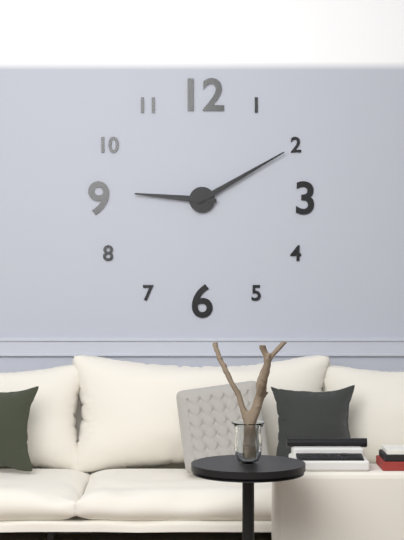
9:10
